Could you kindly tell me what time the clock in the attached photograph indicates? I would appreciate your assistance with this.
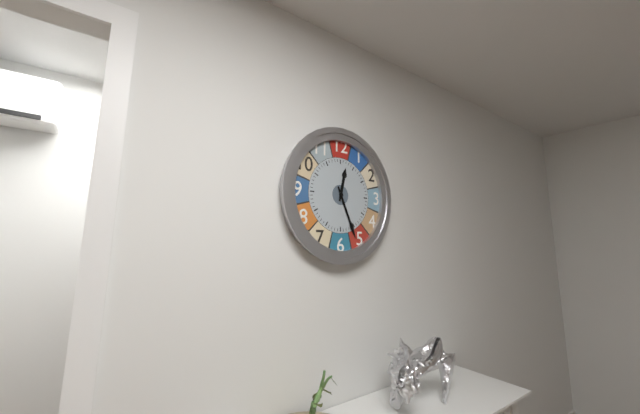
12:26
